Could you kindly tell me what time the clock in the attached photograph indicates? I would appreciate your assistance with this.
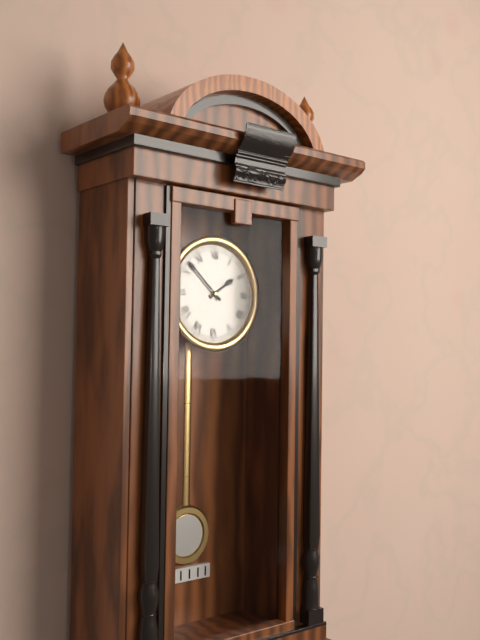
1:52
